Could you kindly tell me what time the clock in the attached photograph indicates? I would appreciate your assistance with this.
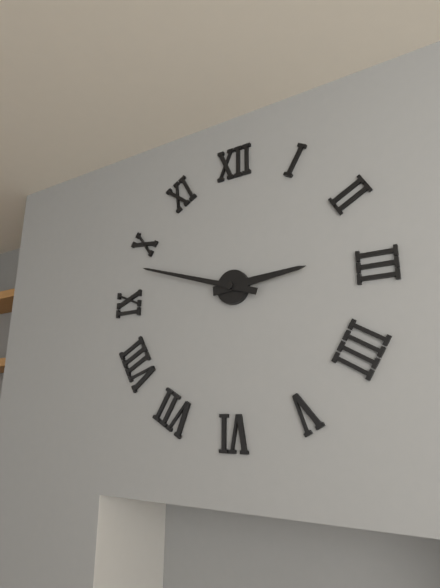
2:48
